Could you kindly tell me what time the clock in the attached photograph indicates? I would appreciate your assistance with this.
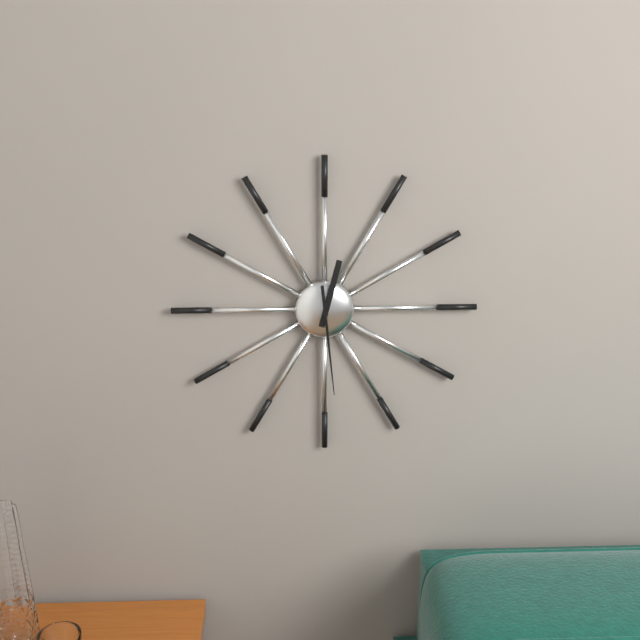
12:29
